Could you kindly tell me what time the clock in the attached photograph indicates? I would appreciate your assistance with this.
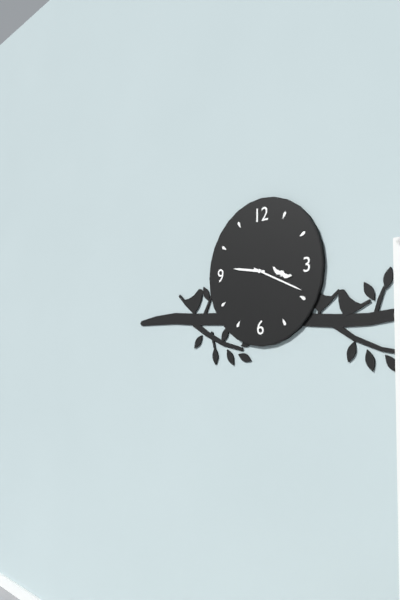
9:19
